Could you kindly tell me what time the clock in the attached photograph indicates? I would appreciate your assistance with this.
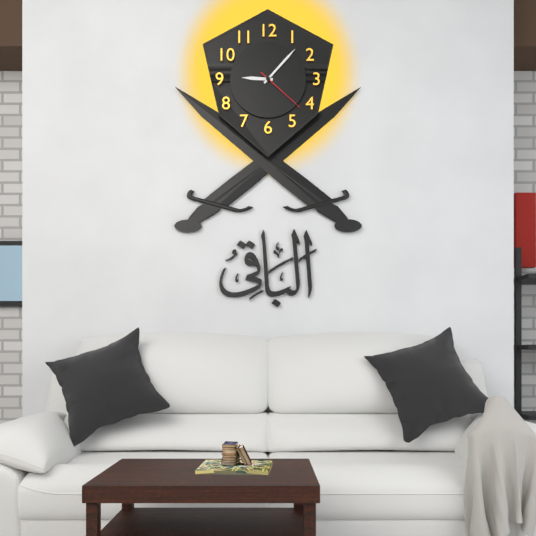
9:07:22
